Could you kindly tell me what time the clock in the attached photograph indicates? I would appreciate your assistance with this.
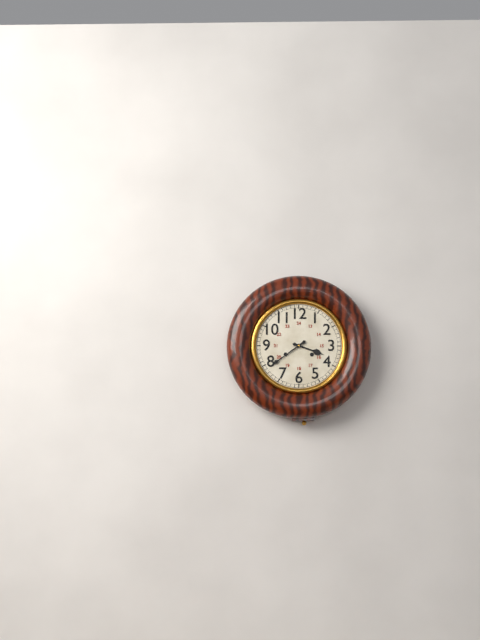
3:39
